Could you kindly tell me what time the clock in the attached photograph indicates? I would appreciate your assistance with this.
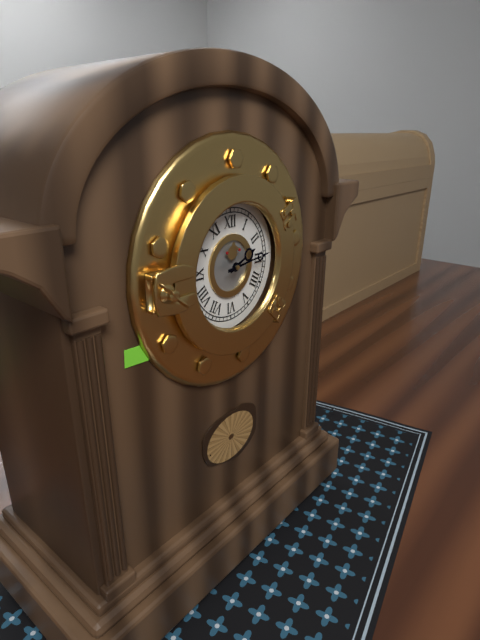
2:14
